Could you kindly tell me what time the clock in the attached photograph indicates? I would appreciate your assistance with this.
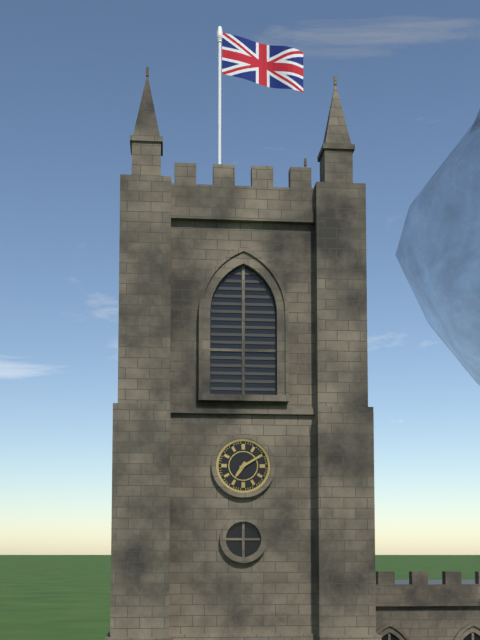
7:10
